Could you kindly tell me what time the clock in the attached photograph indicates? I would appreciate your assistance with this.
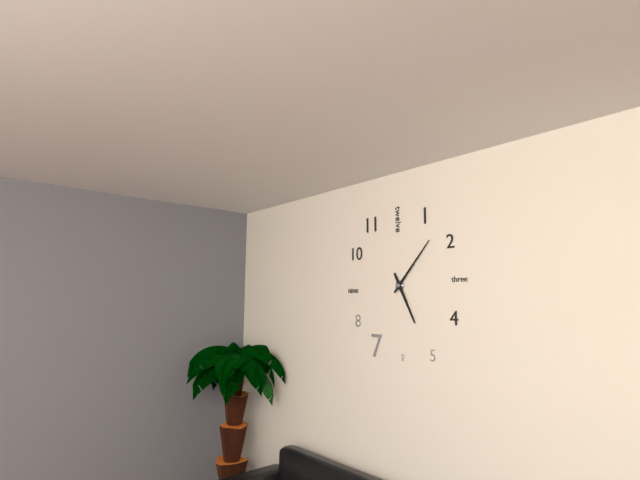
5:07
